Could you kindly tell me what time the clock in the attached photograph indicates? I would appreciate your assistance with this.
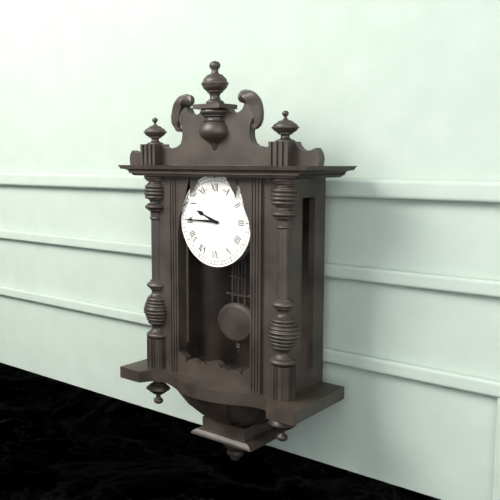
9:45
